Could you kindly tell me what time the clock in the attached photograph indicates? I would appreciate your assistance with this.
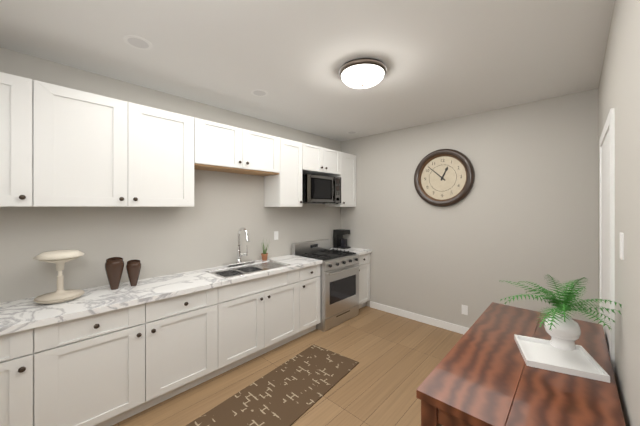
12:52
